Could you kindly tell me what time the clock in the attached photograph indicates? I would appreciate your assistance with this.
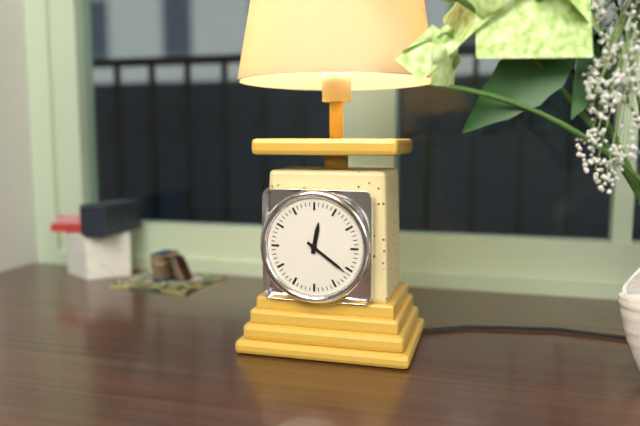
12:21
